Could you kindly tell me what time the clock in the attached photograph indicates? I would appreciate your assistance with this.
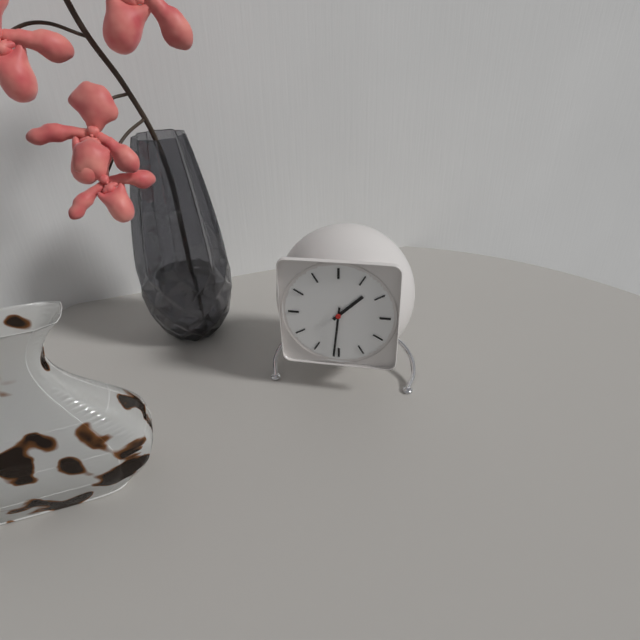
1:31
